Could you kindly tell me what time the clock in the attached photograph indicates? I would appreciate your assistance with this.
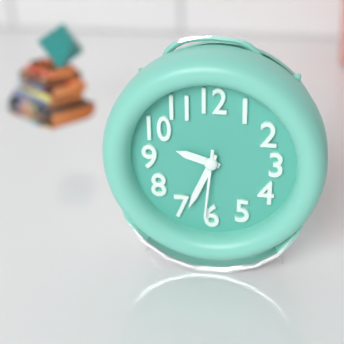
9:34:31
